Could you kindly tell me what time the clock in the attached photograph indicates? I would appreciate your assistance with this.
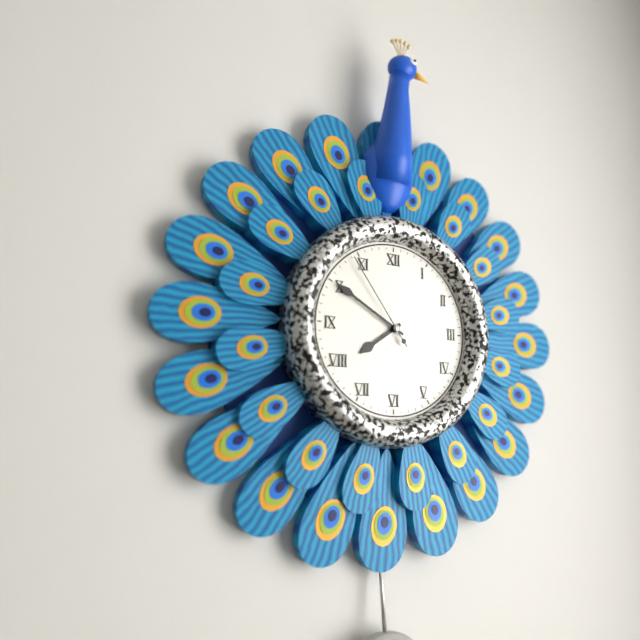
7:50:54
